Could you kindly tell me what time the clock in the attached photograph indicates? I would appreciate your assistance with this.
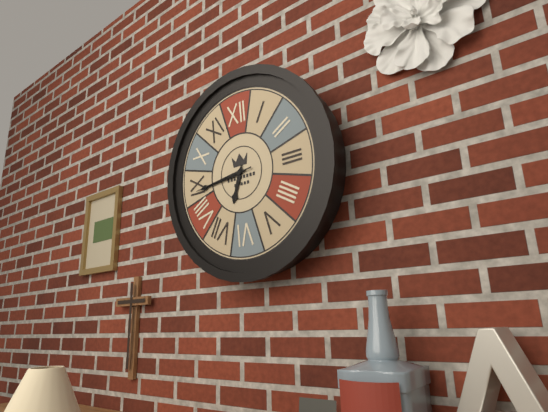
6:44:44
